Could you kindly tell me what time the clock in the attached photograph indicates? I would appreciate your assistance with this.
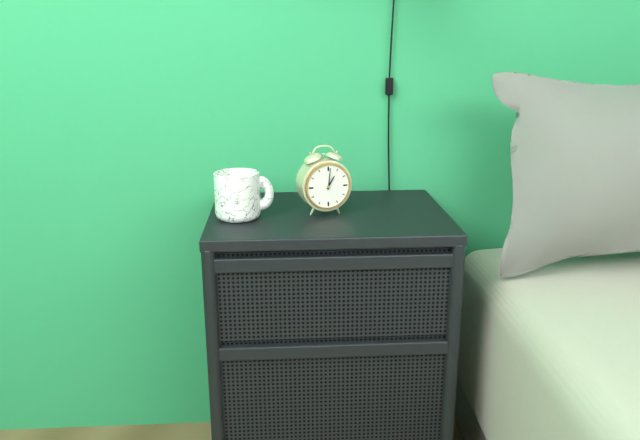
1:01
